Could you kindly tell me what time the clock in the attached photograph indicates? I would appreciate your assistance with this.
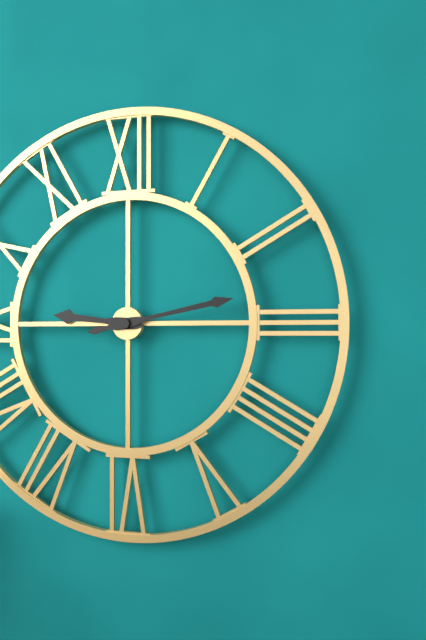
9:13
